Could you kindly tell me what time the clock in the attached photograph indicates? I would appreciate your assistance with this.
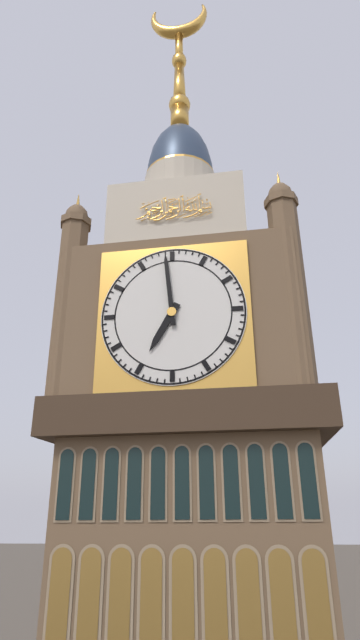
6:59
